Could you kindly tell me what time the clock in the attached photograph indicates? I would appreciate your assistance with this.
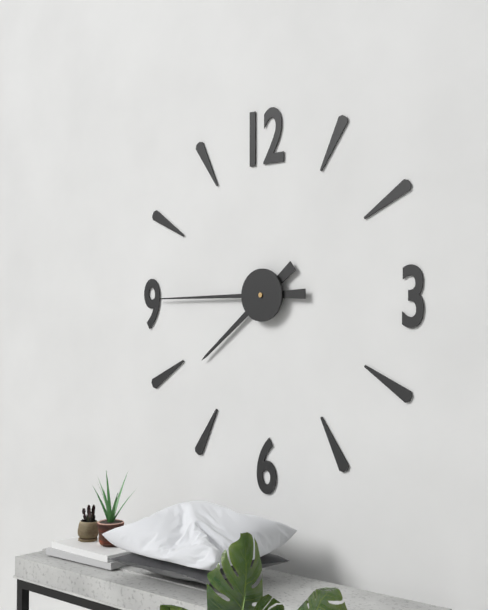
7:45
